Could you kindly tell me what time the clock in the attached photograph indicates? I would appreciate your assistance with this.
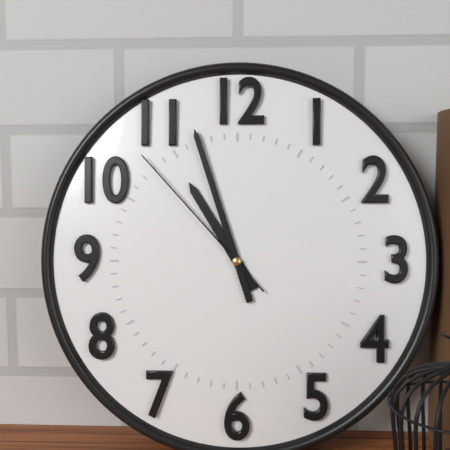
10:57:53
